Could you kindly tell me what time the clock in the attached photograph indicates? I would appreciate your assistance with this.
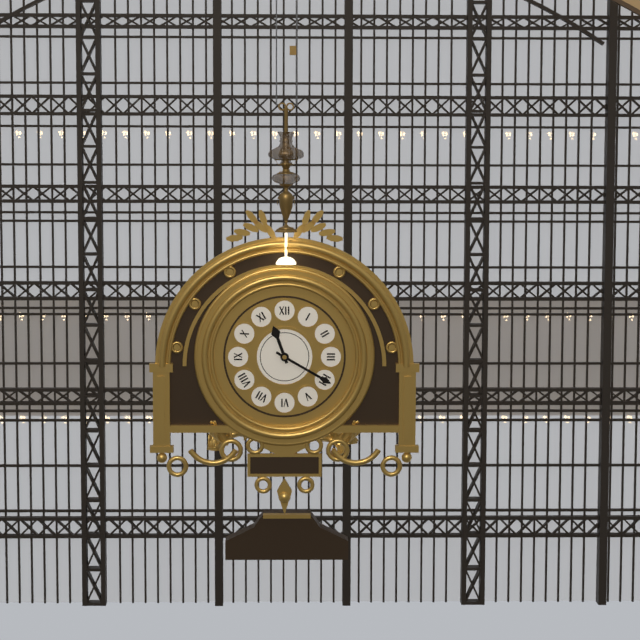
11:20
